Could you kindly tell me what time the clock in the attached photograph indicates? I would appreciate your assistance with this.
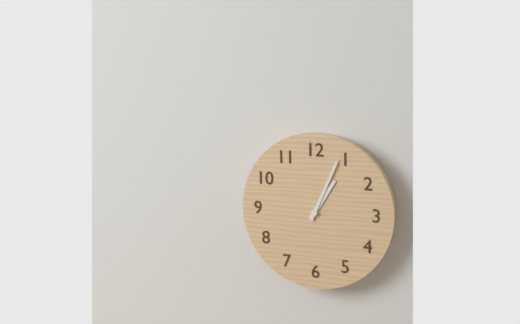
1:04
